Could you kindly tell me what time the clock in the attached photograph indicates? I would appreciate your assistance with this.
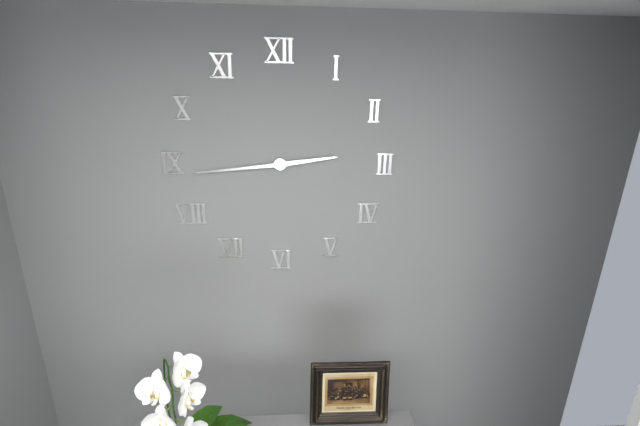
2:44
